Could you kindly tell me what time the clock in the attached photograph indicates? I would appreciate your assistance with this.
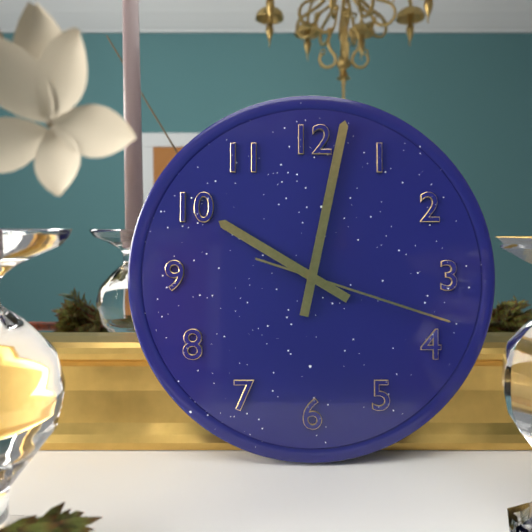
10:02:18
